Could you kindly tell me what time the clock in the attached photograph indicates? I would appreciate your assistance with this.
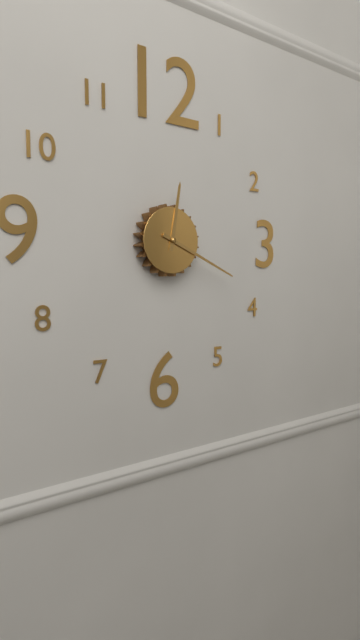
12:19
